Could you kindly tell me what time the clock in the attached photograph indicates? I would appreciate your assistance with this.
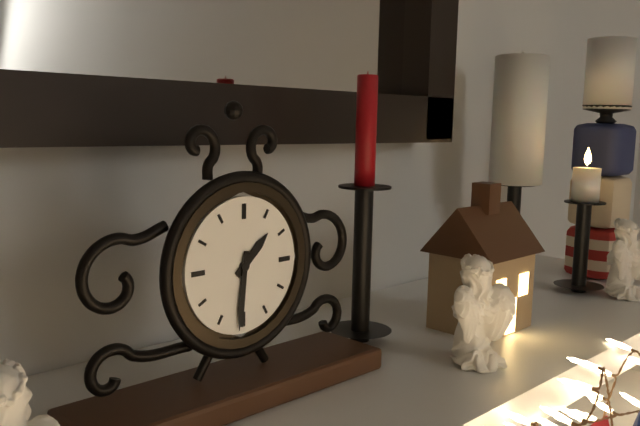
1:31
